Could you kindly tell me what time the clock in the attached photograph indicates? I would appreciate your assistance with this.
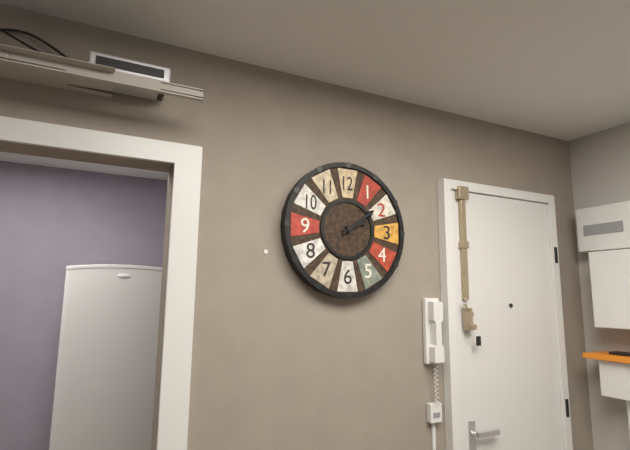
2:09
